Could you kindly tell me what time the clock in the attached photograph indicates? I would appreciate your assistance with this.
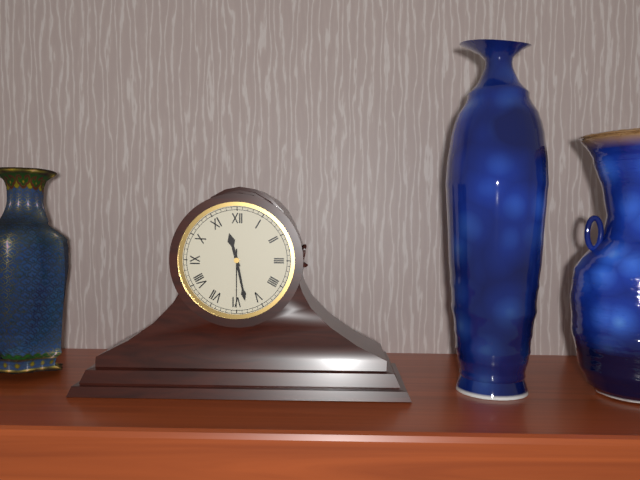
11:28:30
